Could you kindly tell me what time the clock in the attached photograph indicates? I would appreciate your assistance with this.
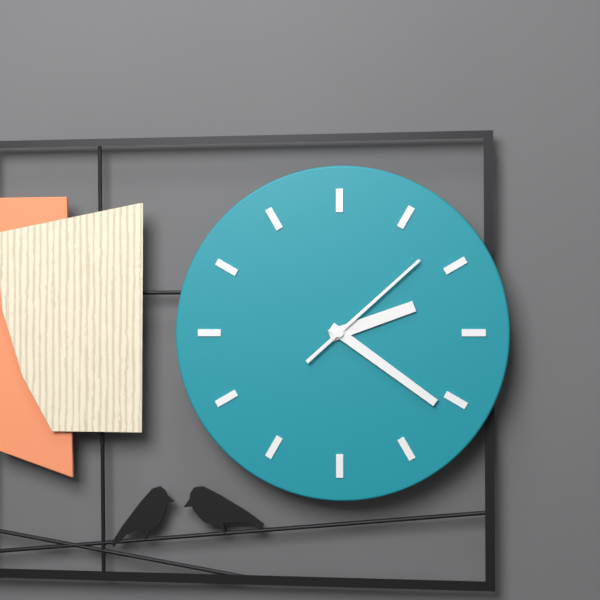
2:21:08
